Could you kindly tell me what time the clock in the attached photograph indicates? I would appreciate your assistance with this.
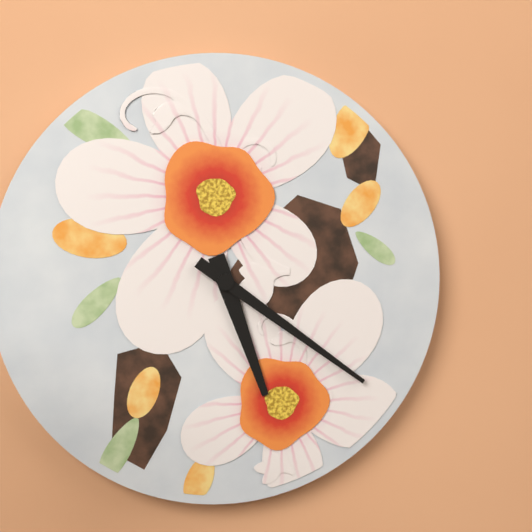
5:21
